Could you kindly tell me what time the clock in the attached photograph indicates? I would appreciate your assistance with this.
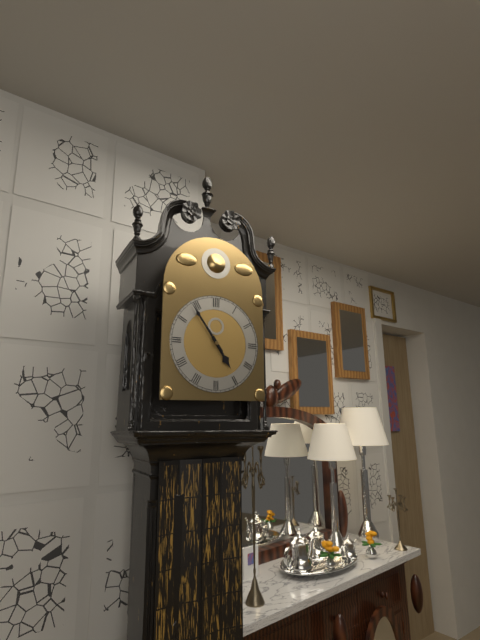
4:54
